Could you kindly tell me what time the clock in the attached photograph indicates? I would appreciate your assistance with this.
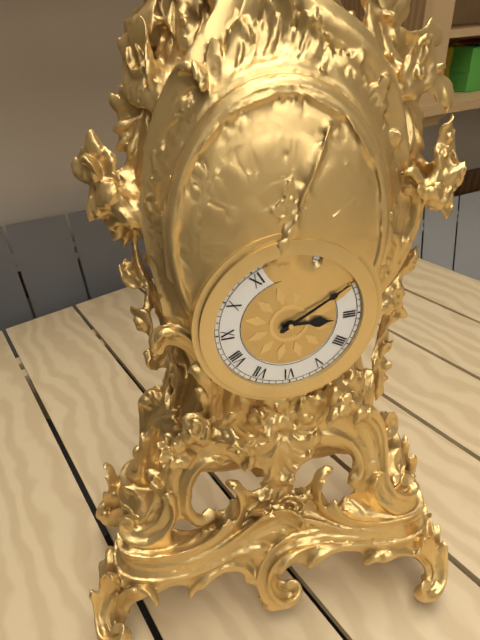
3:10
